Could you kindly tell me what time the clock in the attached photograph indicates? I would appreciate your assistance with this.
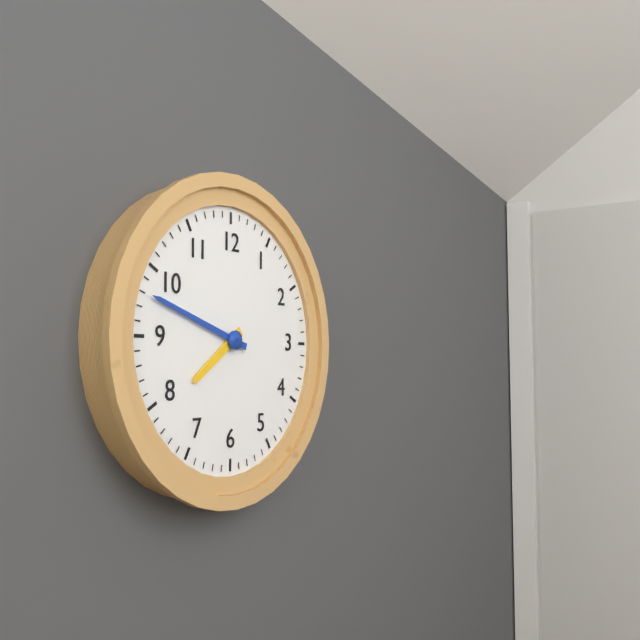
7:48
